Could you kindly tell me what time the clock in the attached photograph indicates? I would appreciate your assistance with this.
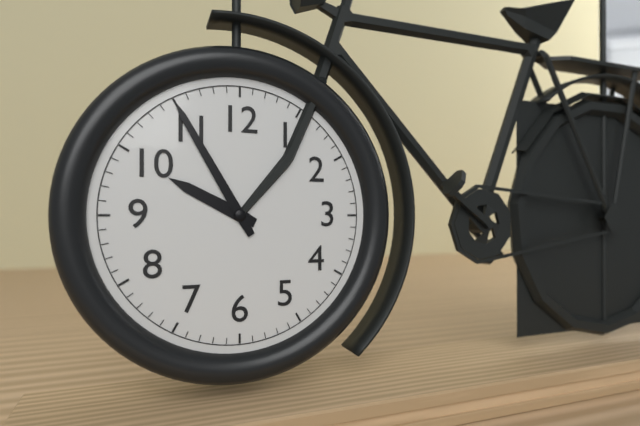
9:55
